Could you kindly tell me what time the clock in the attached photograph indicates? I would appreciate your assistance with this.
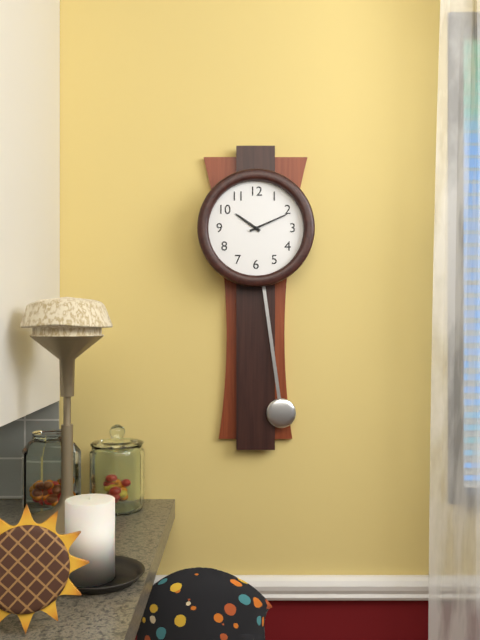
10:11
